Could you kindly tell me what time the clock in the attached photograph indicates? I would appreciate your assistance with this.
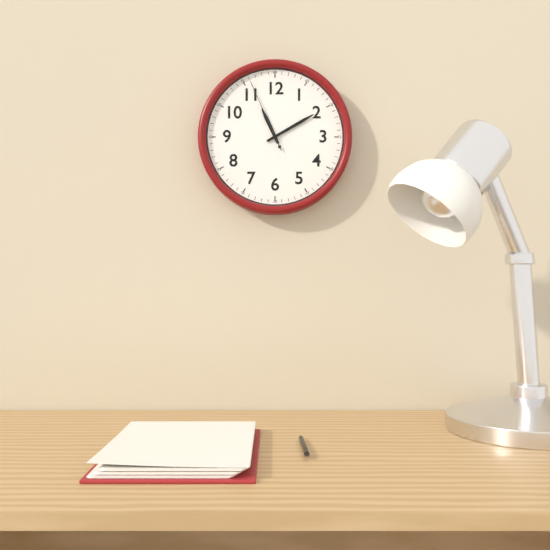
11:10:56
